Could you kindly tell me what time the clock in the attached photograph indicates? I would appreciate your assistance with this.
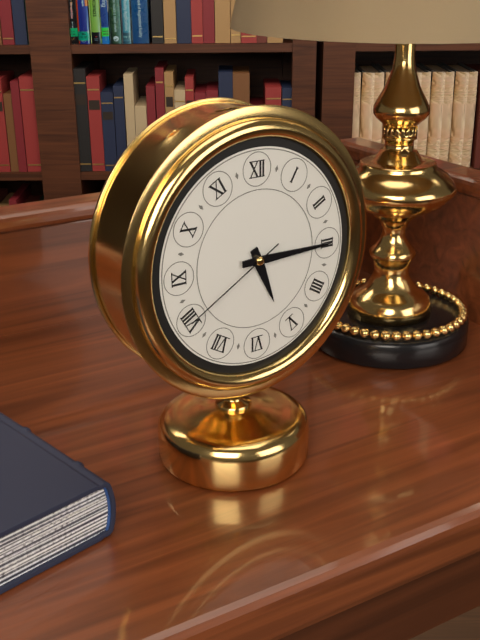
5:15:40
